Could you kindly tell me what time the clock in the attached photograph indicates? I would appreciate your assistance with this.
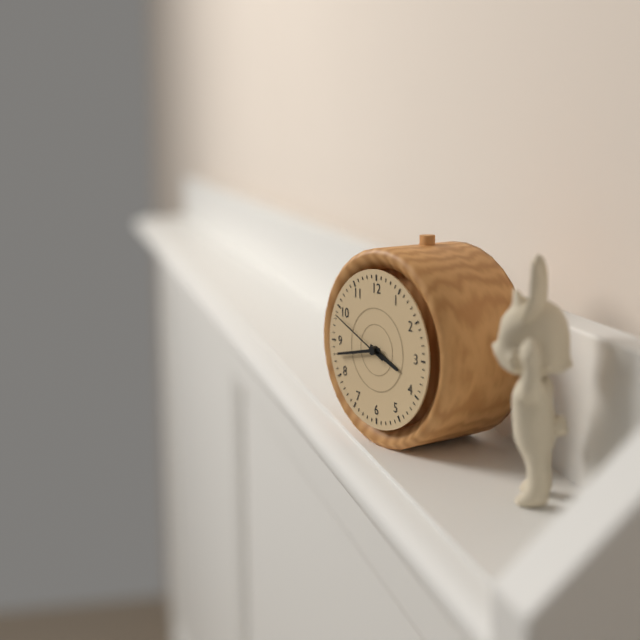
3:43:49
